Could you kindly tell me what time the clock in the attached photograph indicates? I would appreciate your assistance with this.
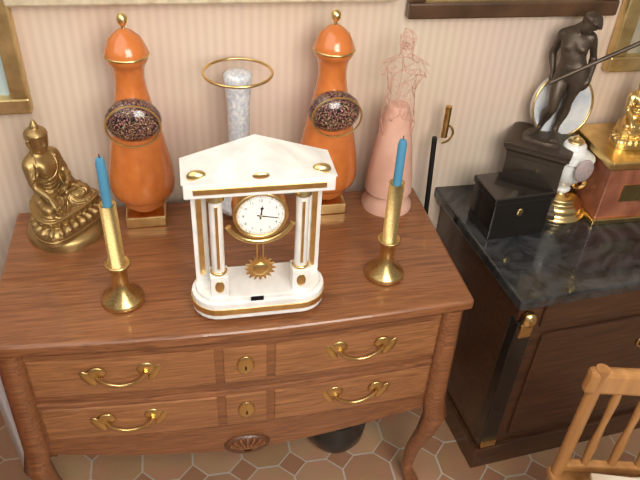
12:17
